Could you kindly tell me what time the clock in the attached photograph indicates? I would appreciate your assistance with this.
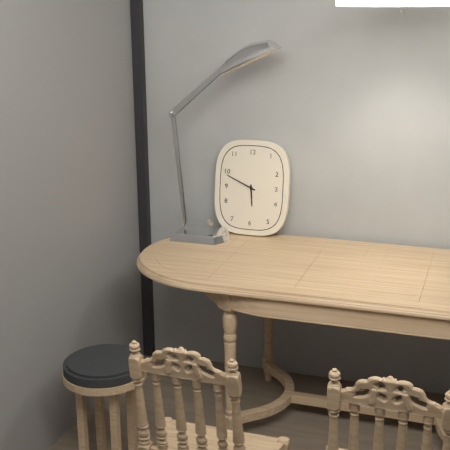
5:49
